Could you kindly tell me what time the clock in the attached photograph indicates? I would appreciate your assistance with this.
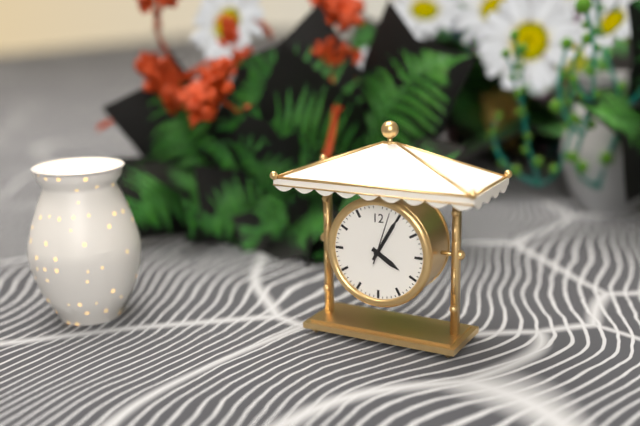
4:05:03
